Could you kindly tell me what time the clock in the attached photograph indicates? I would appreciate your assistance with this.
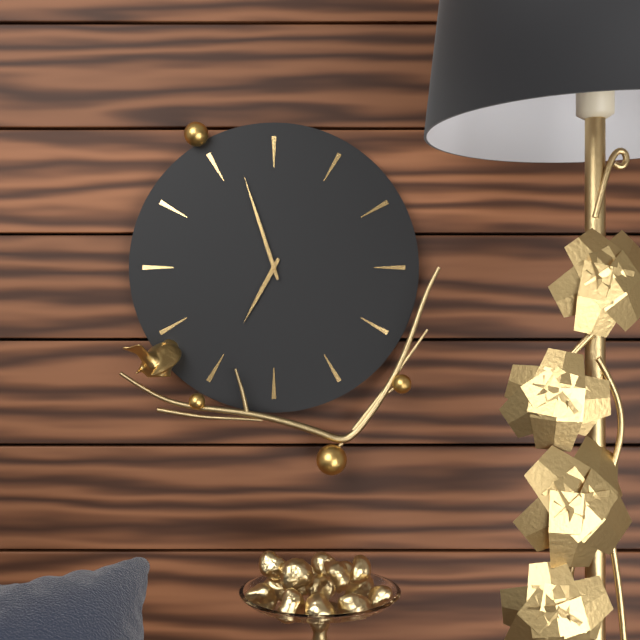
6:57
